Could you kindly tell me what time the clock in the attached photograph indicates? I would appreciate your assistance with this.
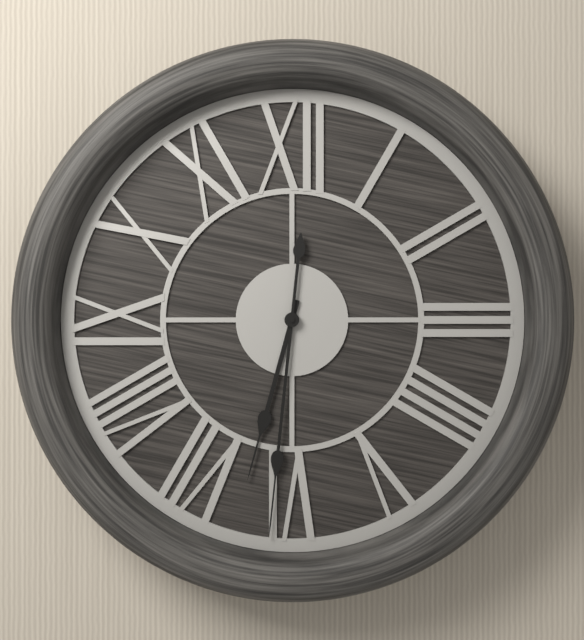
6:31
